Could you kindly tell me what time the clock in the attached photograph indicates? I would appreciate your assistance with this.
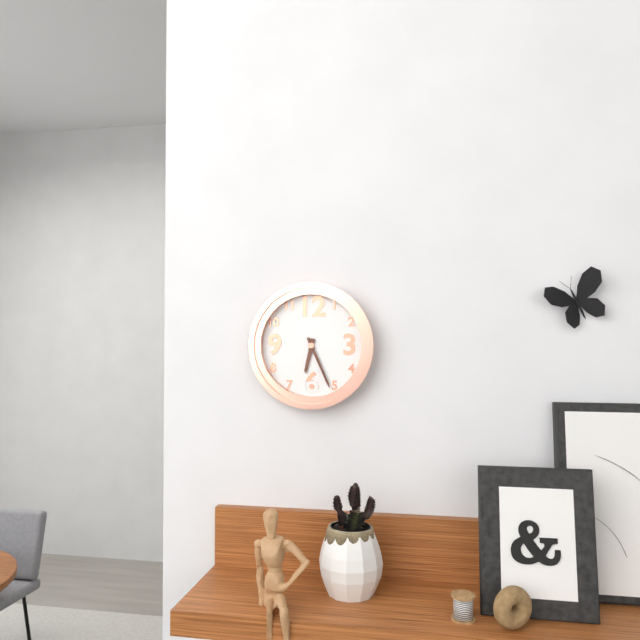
6:26
